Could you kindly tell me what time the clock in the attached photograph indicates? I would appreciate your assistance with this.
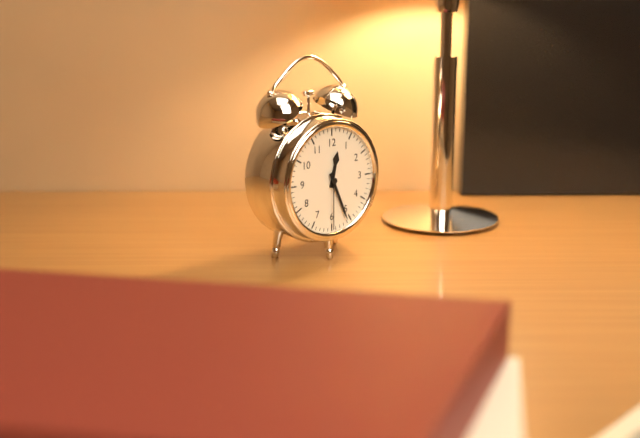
12:26:30
